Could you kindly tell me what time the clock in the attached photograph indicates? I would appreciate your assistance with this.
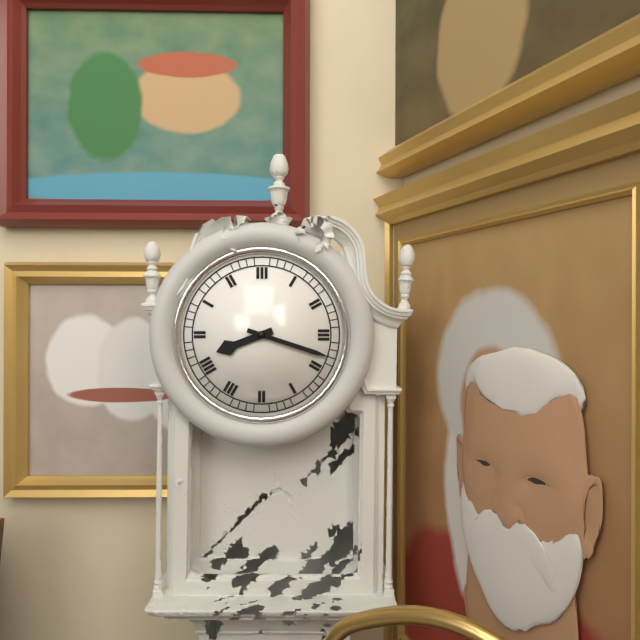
8:18
